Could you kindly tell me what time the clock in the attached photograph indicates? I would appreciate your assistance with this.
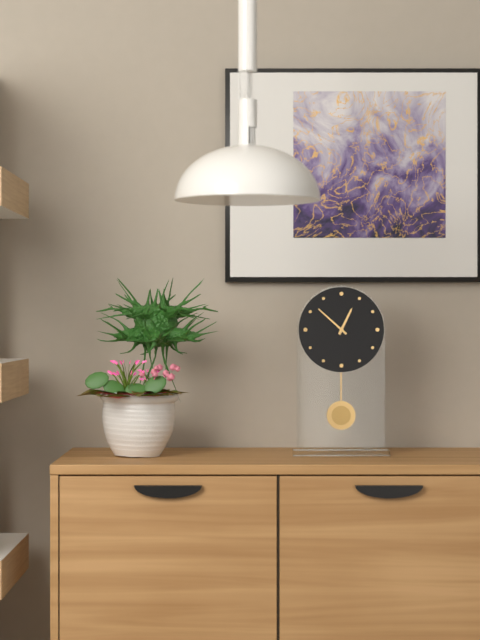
12:52
